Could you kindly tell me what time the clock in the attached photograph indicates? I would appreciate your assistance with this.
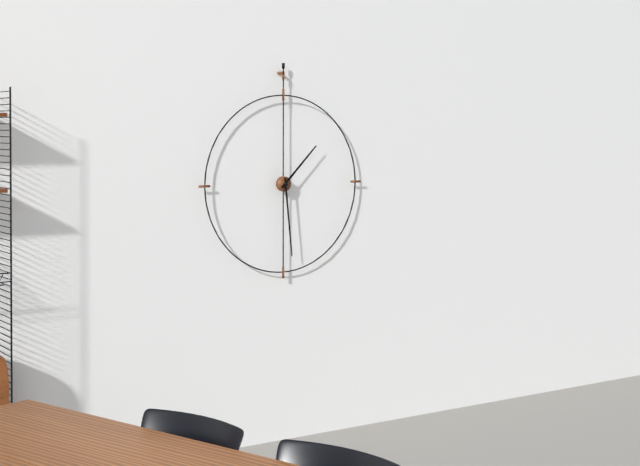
1:29
